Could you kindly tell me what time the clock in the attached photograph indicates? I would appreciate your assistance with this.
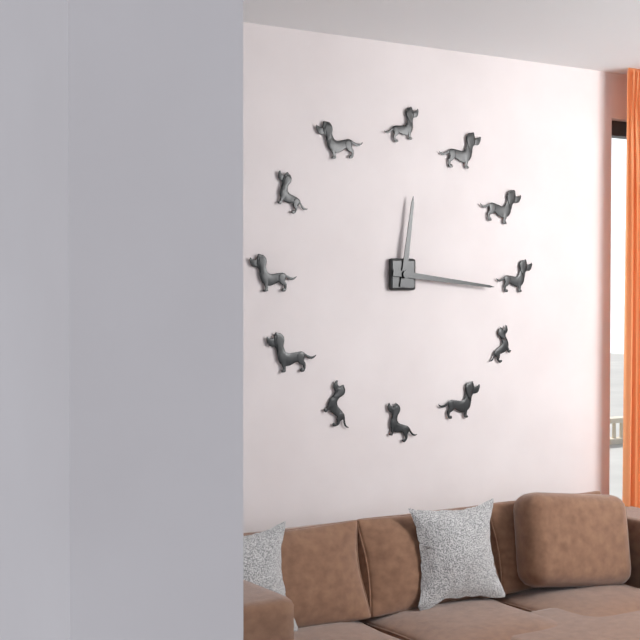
12:16
